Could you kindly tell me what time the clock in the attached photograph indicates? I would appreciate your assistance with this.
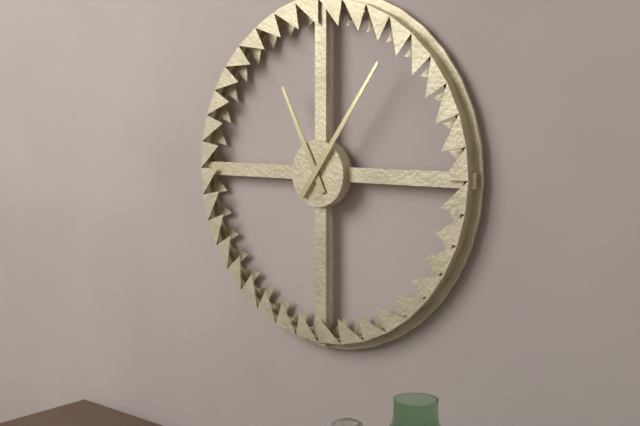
11:06
